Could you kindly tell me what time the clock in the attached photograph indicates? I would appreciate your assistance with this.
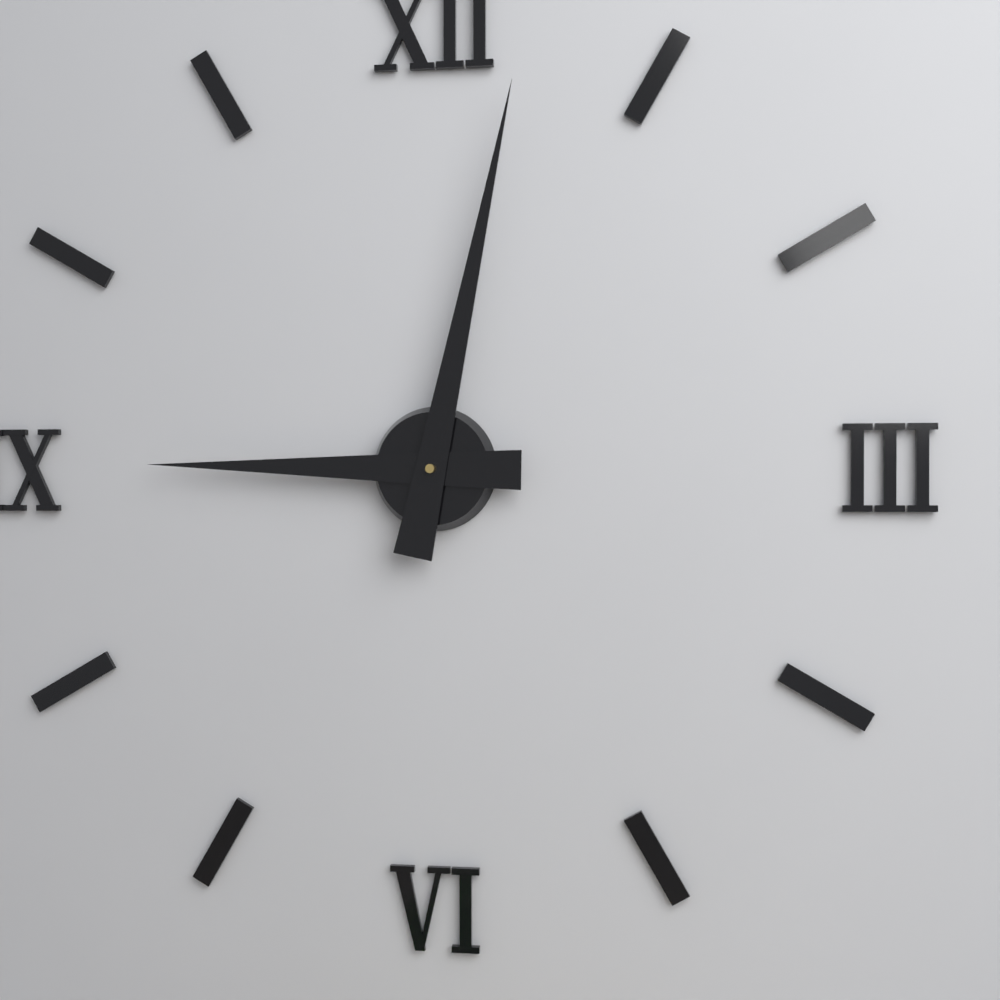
9:02
